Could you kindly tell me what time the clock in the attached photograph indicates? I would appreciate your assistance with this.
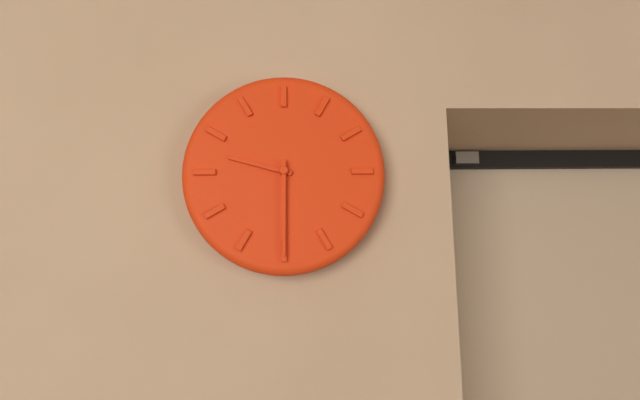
9:30
